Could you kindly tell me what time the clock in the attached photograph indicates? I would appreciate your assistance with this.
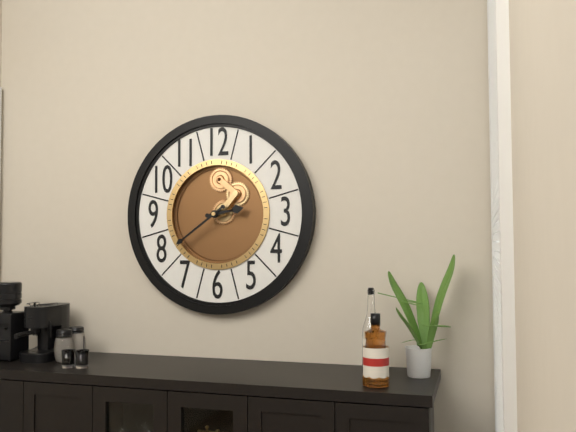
2:39
